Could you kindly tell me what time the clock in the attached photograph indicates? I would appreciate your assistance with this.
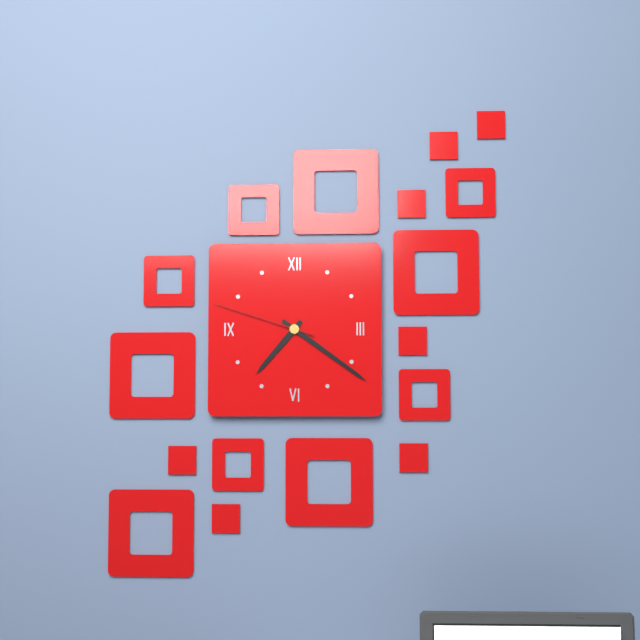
7:21:48
